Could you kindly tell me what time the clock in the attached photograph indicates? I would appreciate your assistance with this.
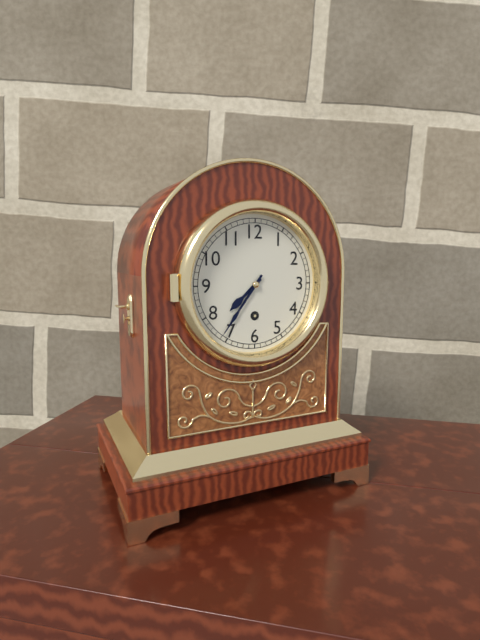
7:36
